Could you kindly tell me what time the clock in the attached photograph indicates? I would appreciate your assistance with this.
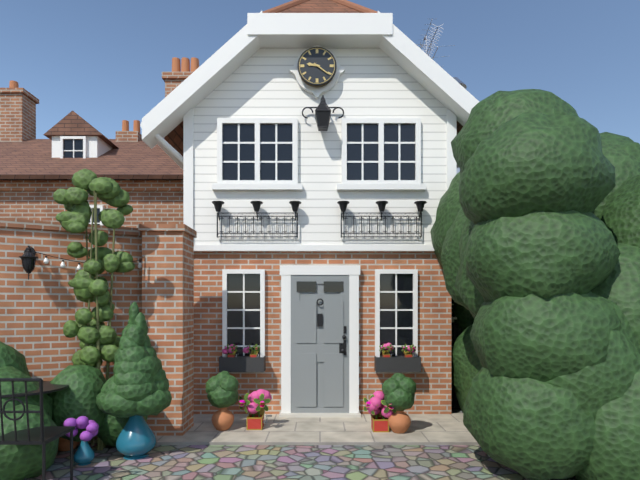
9:21
